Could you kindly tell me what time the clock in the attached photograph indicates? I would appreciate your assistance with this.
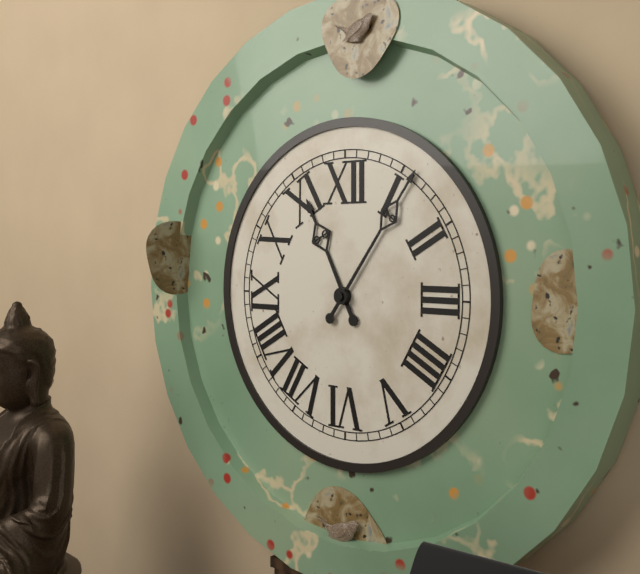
11:06
